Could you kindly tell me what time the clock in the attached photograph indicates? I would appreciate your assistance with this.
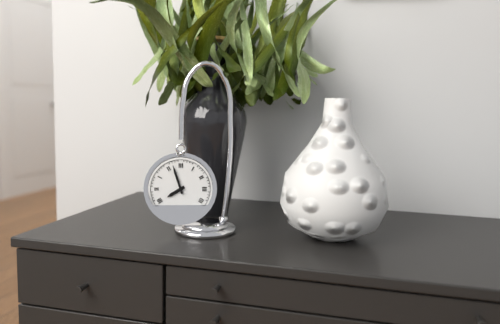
7:57
